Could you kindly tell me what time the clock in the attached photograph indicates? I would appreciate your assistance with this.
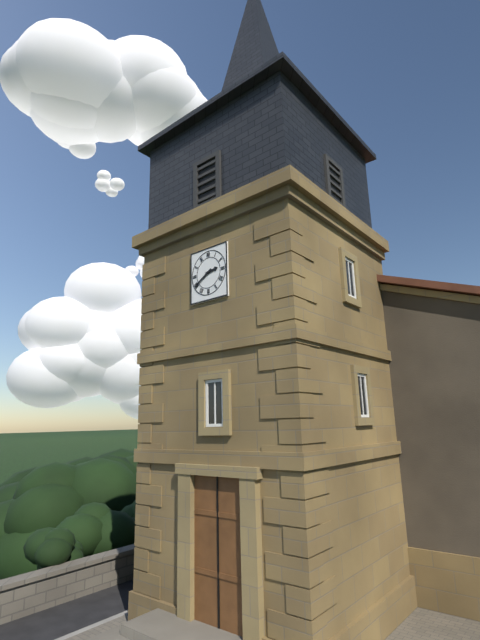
2:40
